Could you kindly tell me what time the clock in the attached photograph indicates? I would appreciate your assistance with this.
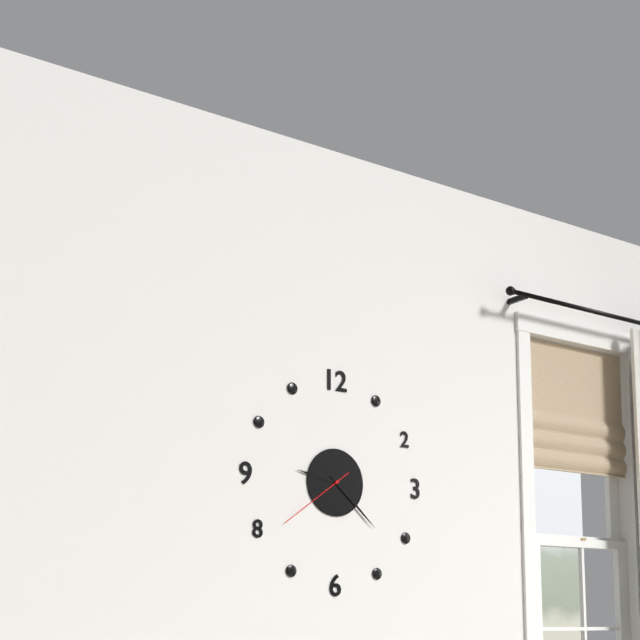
9:22:39
